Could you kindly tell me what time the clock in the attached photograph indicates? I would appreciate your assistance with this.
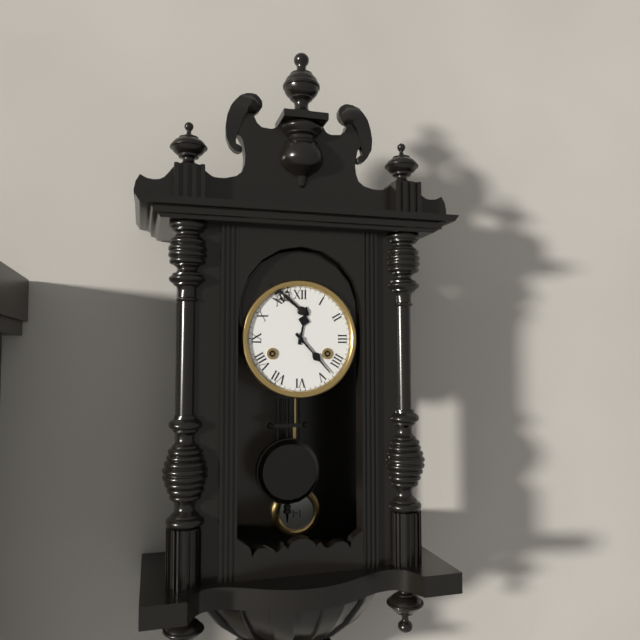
12:23
